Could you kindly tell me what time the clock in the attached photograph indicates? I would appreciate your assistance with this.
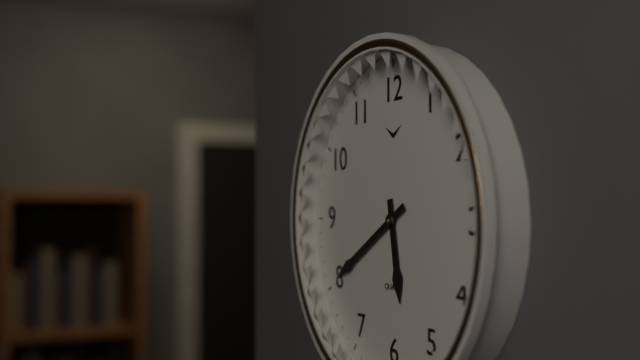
5:40
